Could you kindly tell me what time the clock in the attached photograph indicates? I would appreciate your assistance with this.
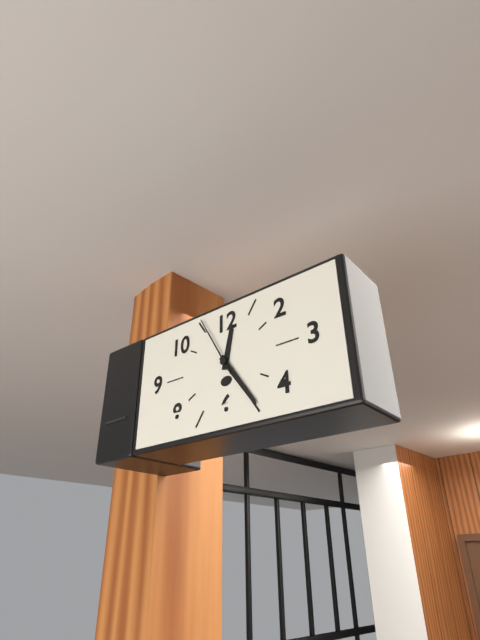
12:24:55
